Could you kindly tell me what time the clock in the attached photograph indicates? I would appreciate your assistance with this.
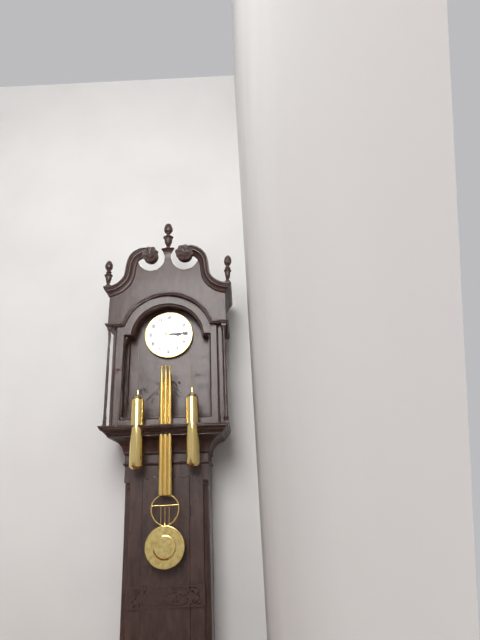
3:15
